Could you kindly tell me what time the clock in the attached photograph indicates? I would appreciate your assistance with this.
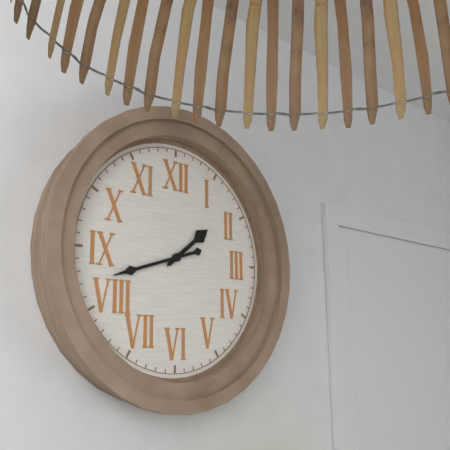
1:42
